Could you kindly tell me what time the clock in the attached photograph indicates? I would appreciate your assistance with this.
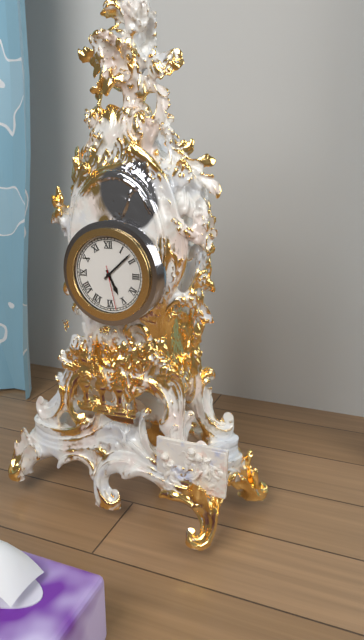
5:08
